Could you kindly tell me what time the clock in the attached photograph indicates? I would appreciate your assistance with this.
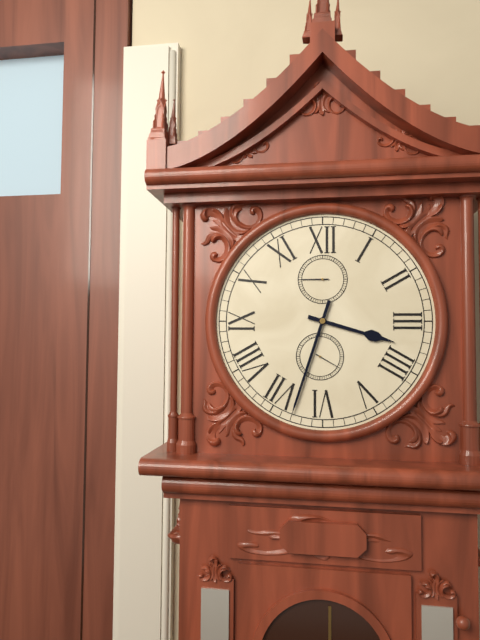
3:33
